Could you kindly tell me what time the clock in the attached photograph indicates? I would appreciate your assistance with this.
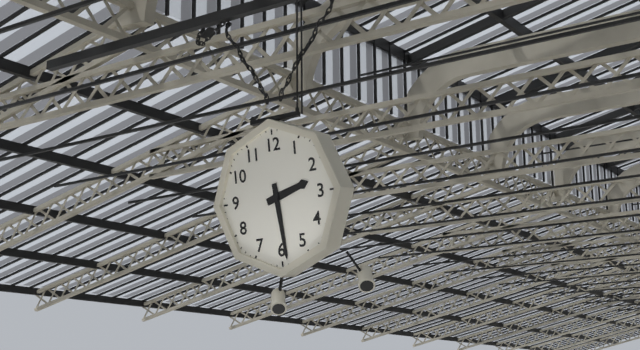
2:29
